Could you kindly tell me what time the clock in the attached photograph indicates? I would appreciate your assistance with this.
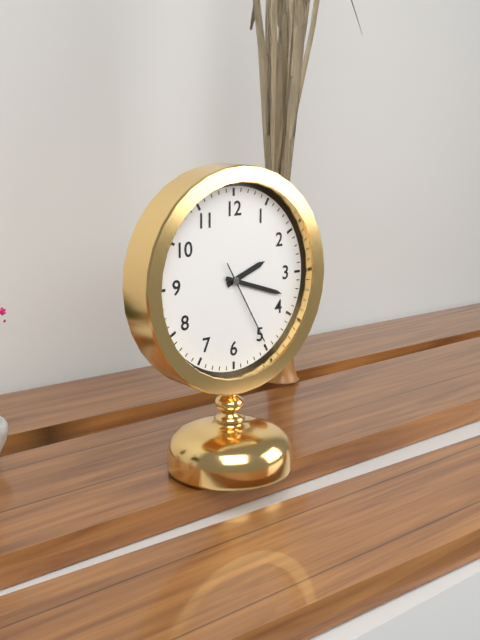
2:18:25
